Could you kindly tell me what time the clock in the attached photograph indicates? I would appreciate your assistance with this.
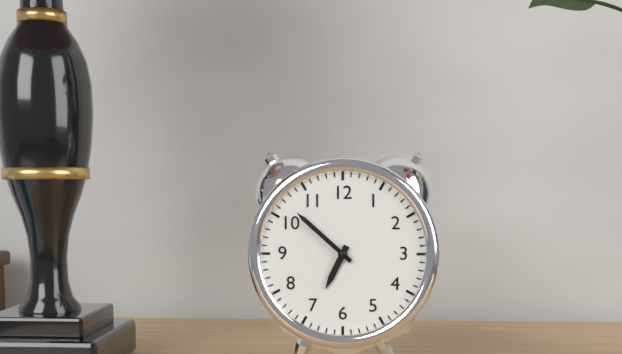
6:52
